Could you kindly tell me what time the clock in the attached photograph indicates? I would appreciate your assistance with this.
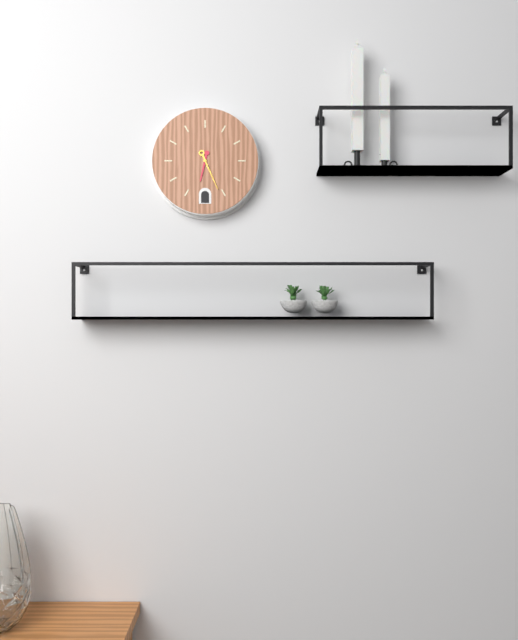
6:26
